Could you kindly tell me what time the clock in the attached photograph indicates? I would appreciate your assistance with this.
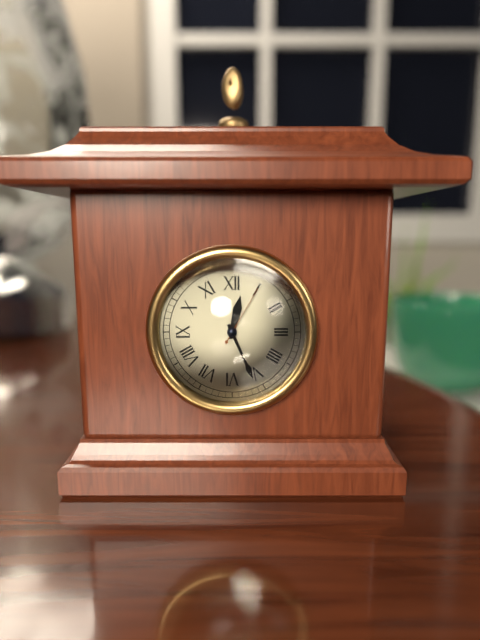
12:26:05
